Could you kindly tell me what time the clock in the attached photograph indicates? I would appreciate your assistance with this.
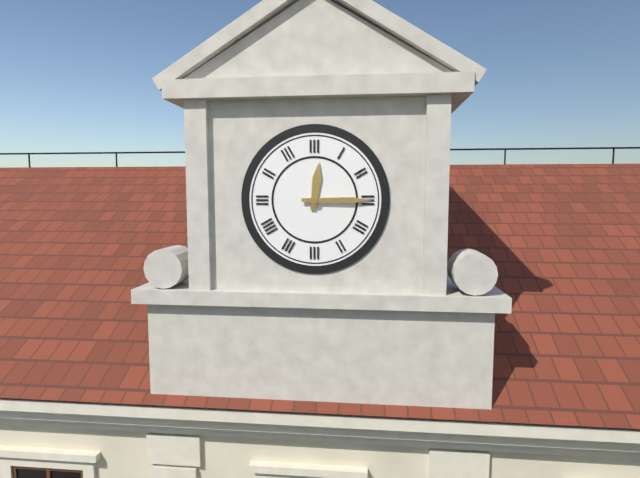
12:15
